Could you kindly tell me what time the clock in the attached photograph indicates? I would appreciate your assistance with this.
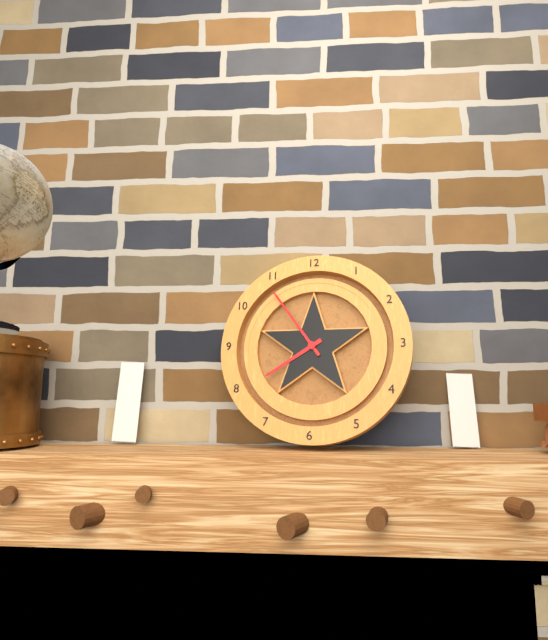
7:54
